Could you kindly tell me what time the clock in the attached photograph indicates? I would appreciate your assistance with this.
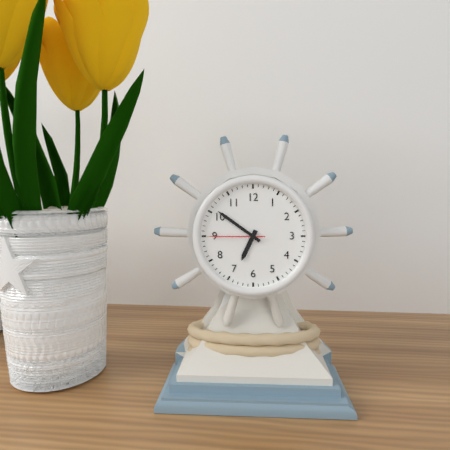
6:51:45
